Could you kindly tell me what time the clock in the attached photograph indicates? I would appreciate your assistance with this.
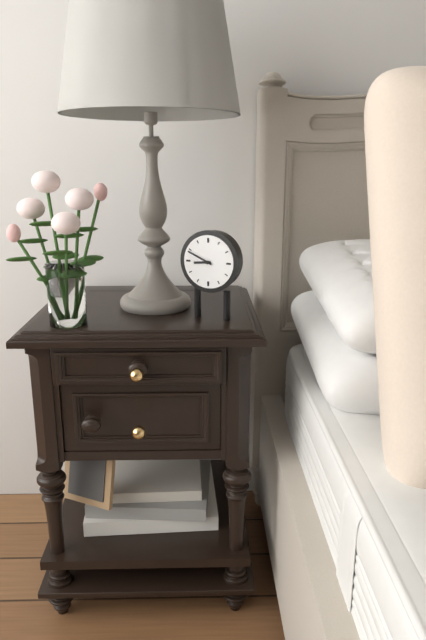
8:49
